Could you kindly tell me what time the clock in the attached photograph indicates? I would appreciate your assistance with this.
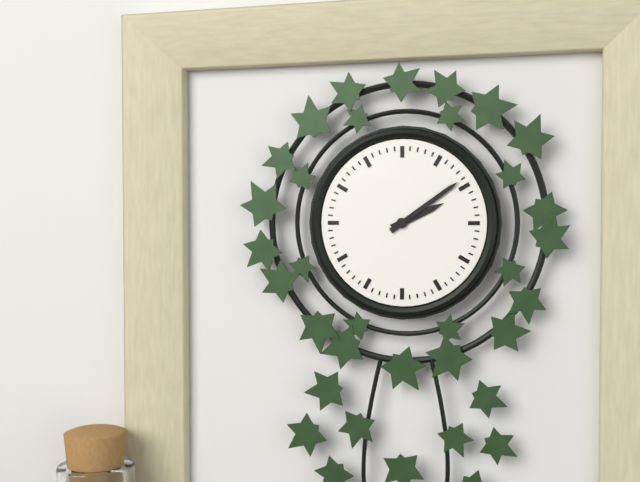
2:09
